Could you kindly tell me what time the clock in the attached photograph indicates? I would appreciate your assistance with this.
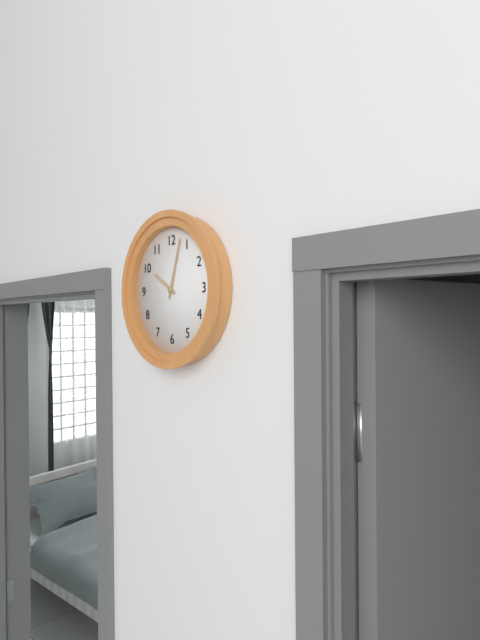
10:03
